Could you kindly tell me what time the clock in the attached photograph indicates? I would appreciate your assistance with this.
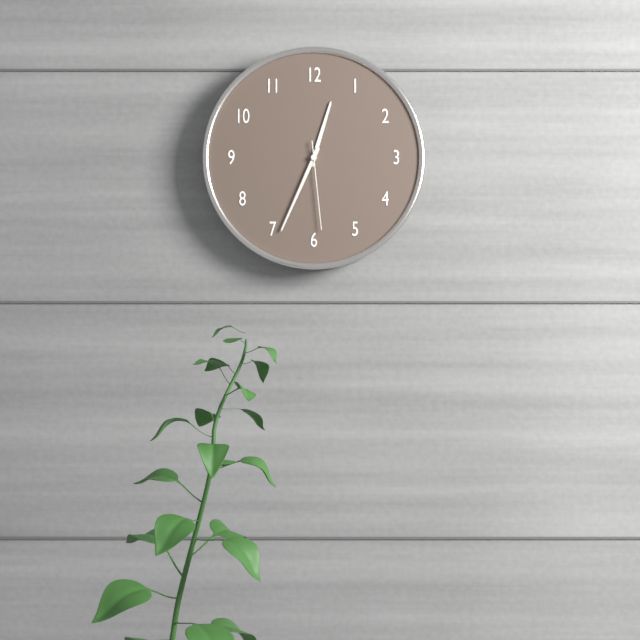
12:34:29
